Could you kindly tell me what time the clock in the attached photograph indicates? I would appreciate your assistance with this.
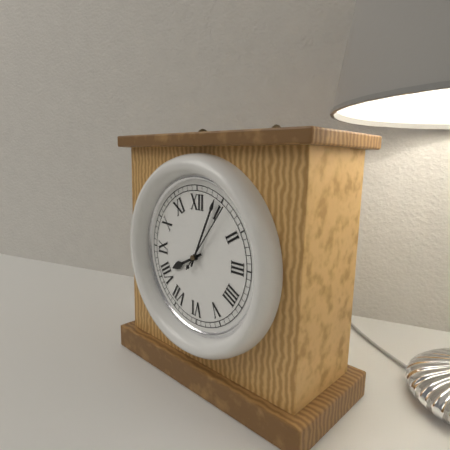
8:04:06
